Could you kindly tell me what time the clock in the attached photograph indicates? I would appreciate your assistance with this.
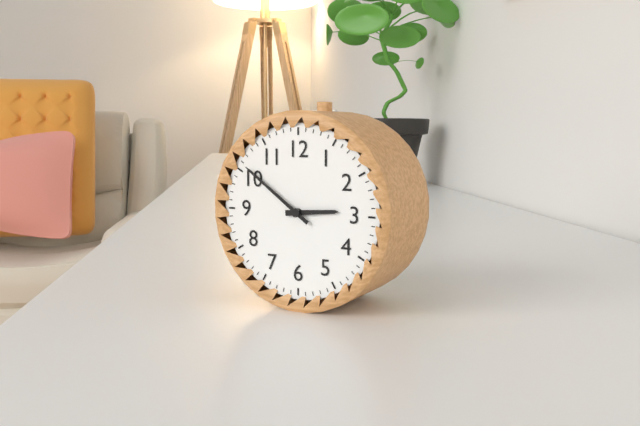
2:51
